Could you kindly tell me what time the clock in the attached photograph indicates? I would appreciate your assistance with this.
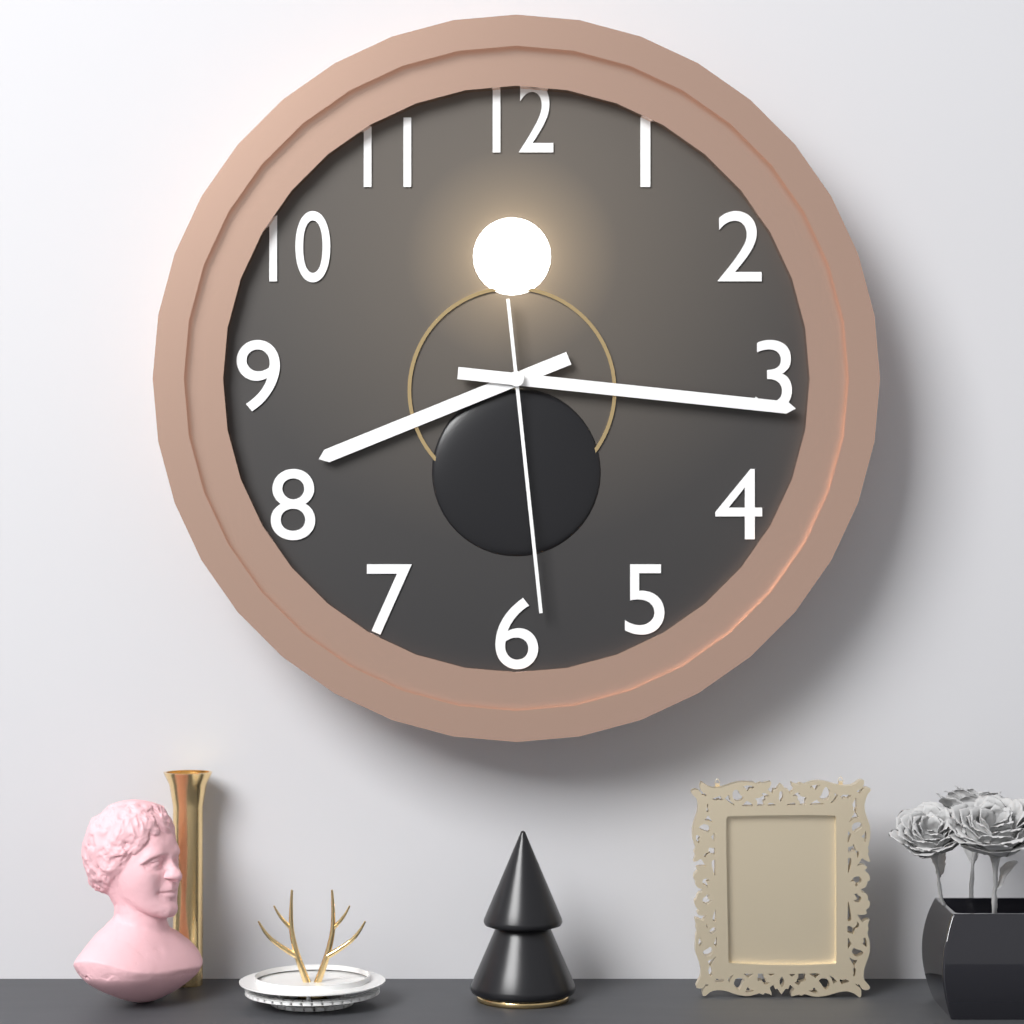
8:16:29
